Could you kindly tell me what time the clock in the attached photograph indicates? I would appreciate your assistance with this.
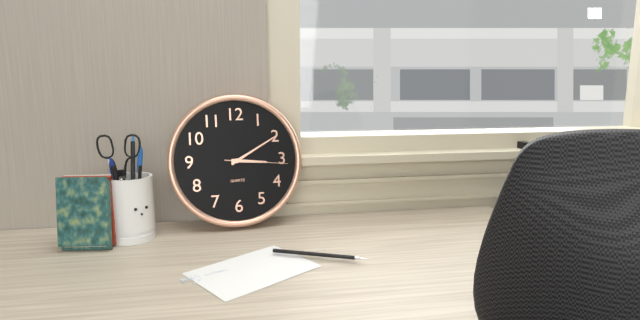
3:10:16
